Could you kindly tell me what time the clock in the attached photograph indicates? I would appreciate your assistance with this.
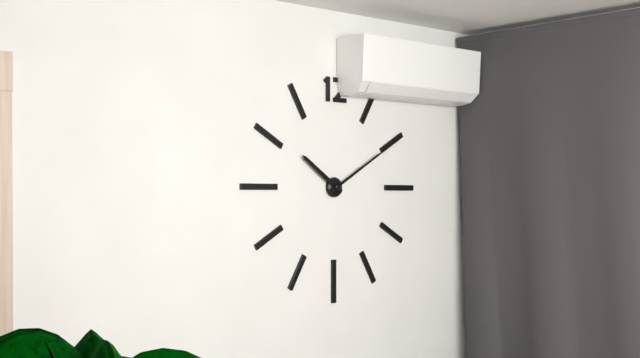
10:10
